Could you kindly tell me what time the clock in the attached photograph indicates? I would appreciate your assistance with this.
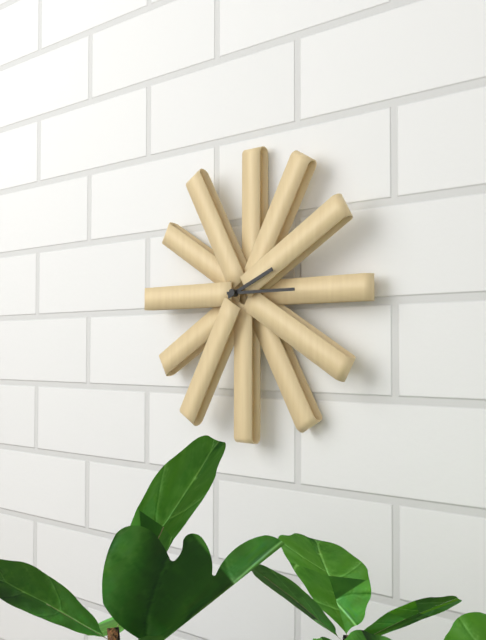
2:15
